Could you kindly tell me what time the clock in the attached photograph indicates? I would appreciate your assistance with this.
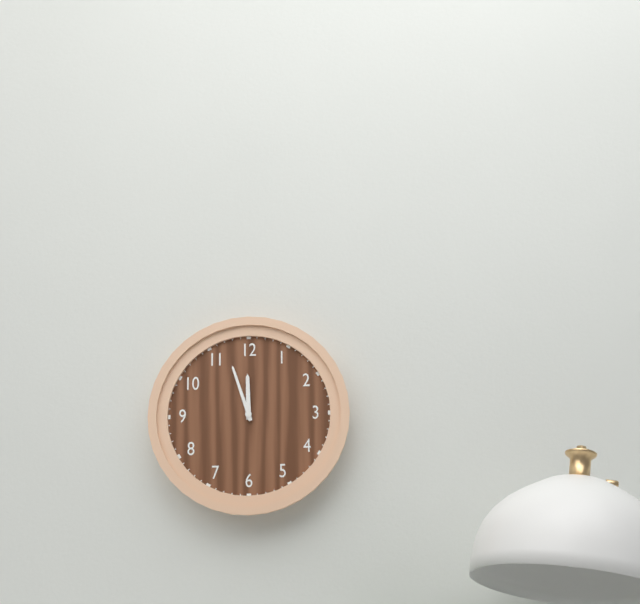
11:57
